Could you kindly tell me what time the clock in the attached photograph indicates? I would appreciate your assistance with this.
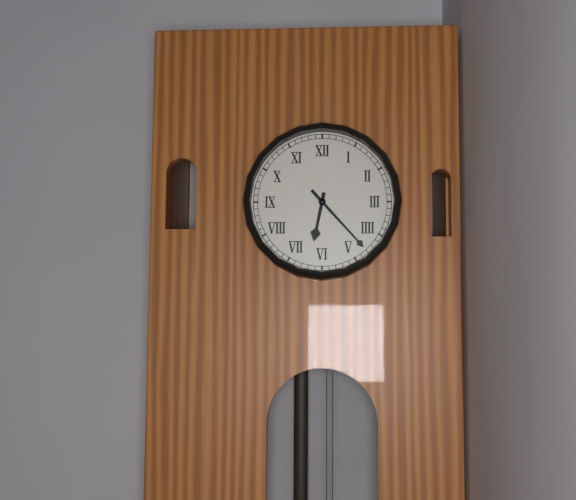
6:23
